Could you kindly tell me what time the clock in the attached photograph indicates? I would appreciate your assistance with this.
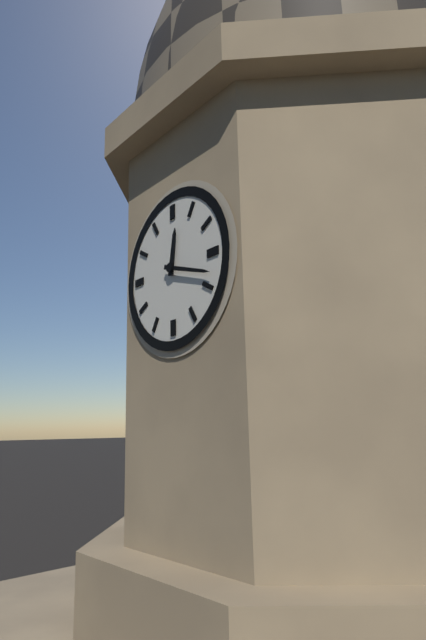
12:18
